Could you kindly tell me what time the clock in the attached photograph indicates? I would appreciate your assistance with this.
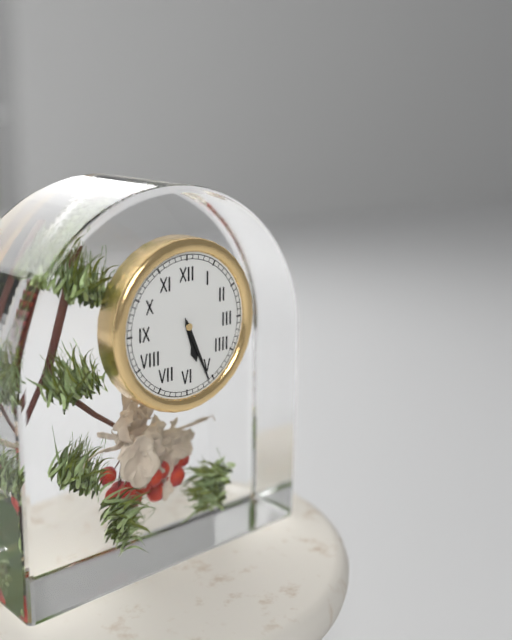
5:26
